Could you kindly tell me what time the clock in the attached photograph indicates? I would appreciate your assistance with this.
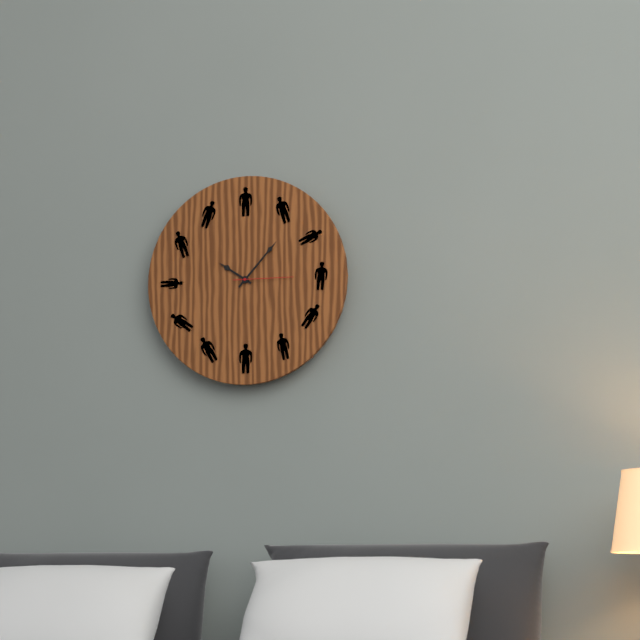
10:07:15
